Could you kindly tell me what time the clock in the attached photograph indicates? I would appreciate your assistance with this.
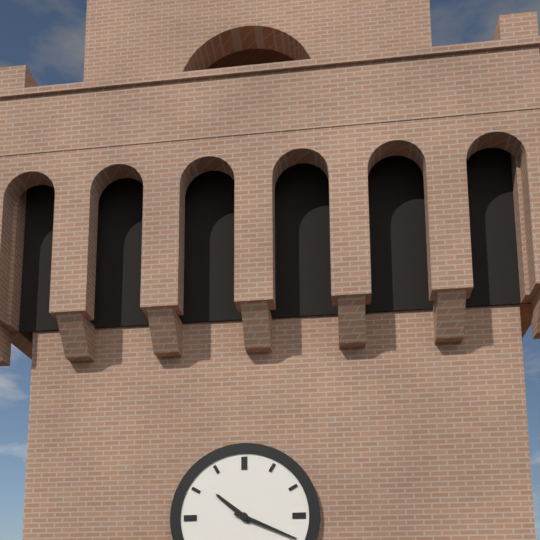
10:19
